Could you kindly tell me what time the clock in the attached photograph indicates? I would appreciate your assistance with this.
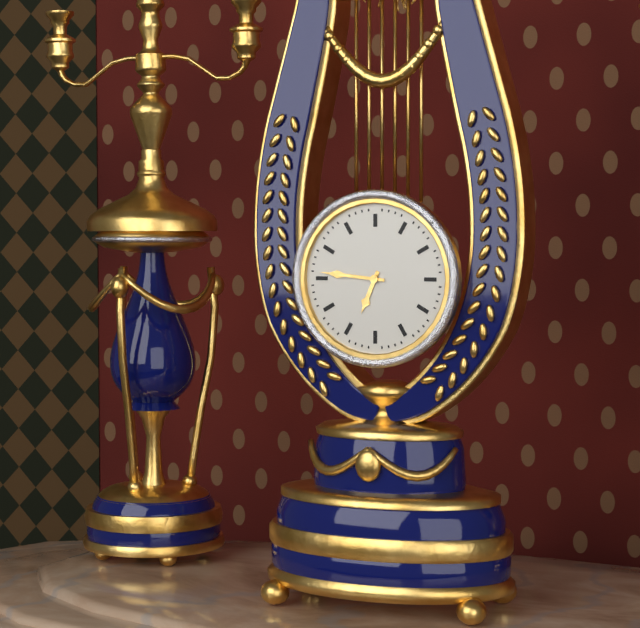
6:46
